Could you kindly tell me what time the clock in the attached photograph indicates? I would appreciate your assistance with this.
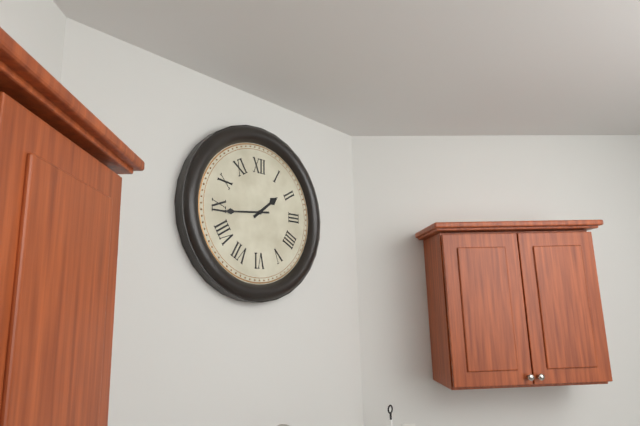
1:44
